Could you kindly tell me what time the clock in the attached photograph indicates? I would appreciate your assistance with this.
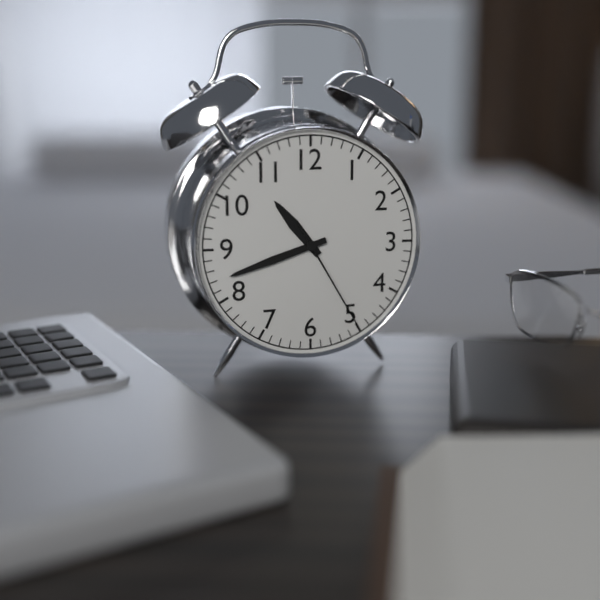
10:42:25
